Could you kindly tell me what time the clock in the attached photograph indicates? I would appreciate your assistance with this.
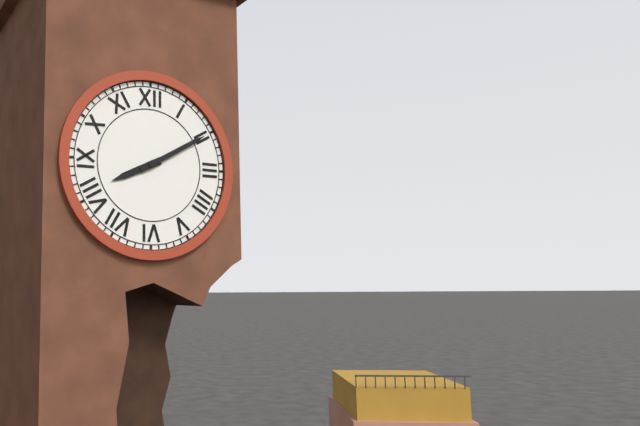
8:10
